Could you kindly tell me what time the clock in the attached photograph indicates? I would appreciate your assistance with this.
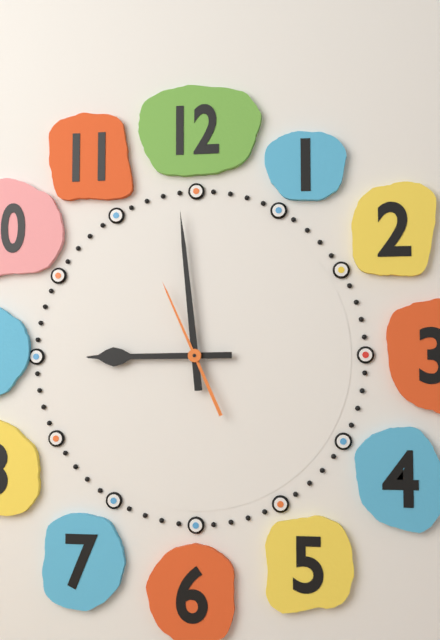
8:59:56
